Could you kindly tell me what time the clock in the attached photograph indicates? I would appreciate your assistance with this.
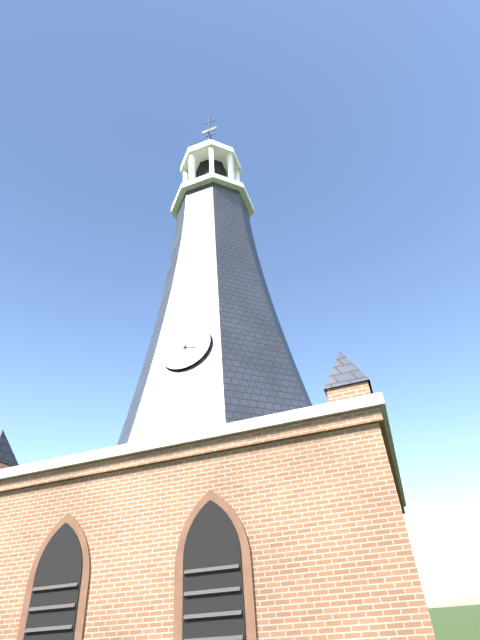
3:38
